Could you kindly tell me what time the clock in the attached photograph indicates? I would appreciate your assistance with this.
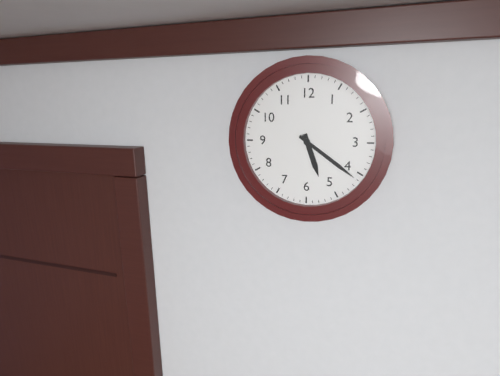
5:21
